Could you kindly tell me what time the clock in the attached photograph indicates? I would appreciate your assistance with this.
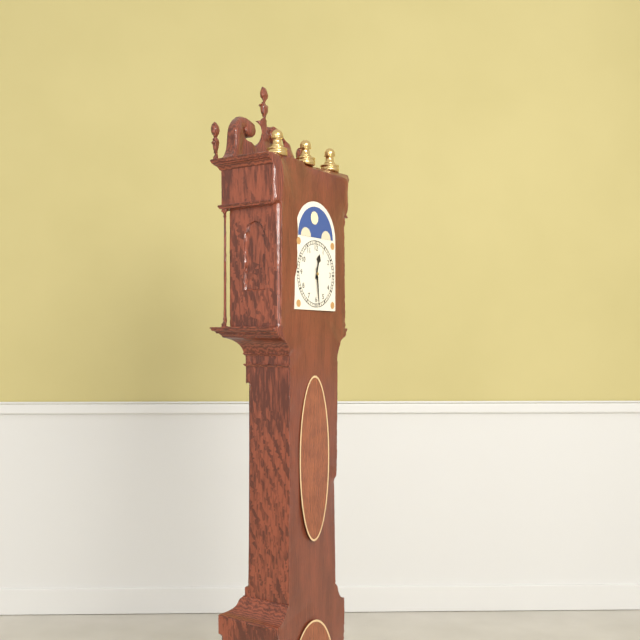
12:29
